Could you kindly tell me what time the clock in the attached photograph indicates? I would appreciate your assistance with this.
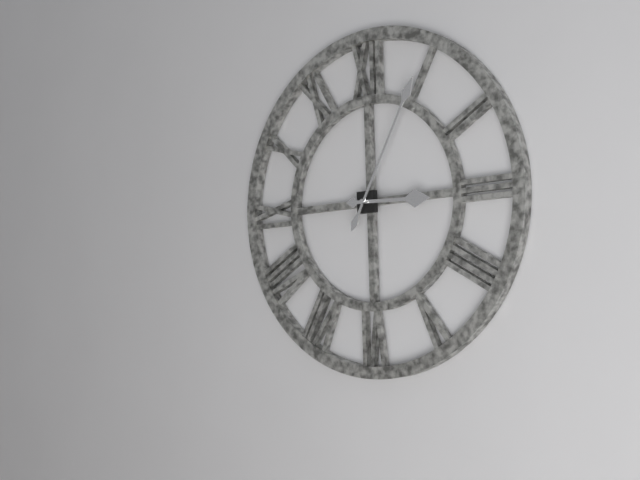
3:05
